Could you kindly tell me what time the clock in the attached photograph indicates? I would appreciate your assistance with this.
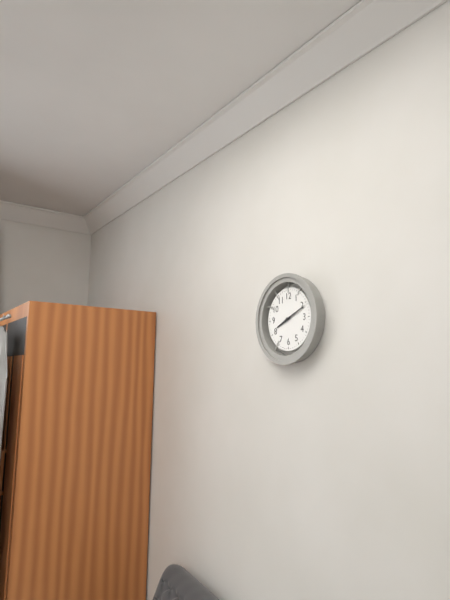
8:11
